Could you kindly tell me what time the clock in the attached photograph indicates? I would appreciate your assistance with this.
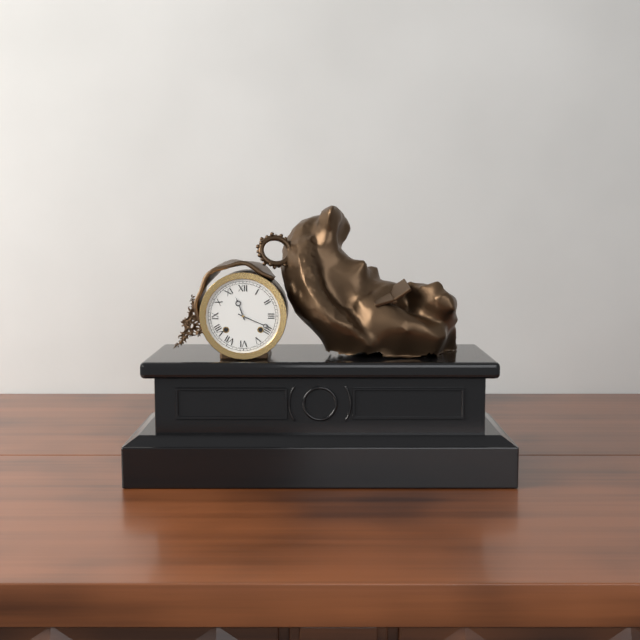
11:19
